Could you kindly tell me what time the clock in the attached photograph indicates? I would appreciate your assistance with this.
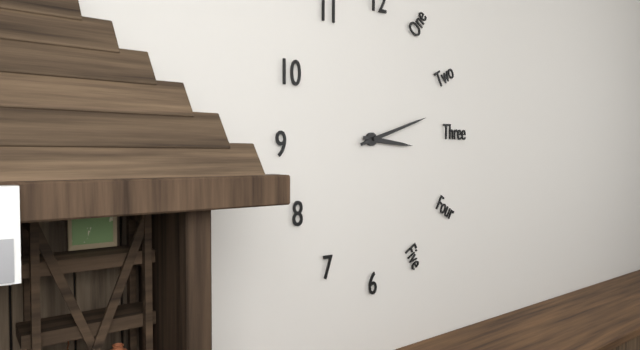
3:12
